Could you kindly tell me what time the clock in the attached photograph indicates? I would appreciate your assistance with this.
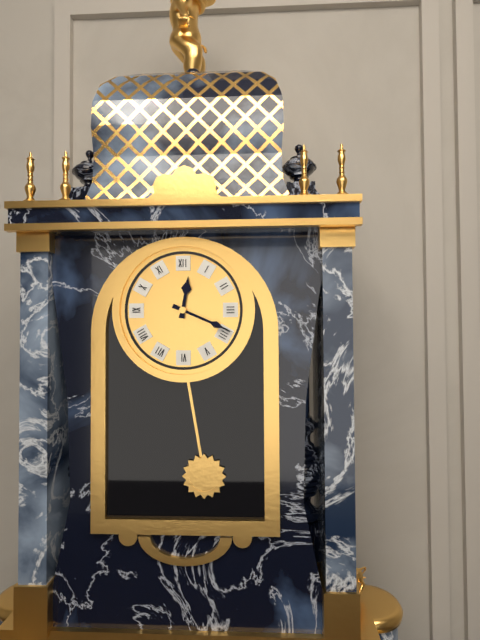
12:19
